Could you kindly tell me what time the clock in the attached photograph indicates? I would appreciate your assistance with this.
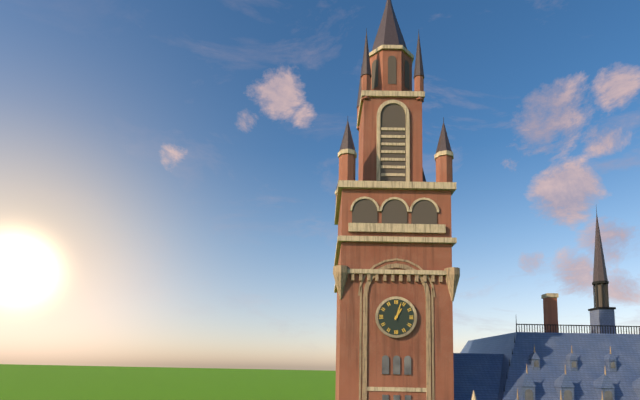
1:03
